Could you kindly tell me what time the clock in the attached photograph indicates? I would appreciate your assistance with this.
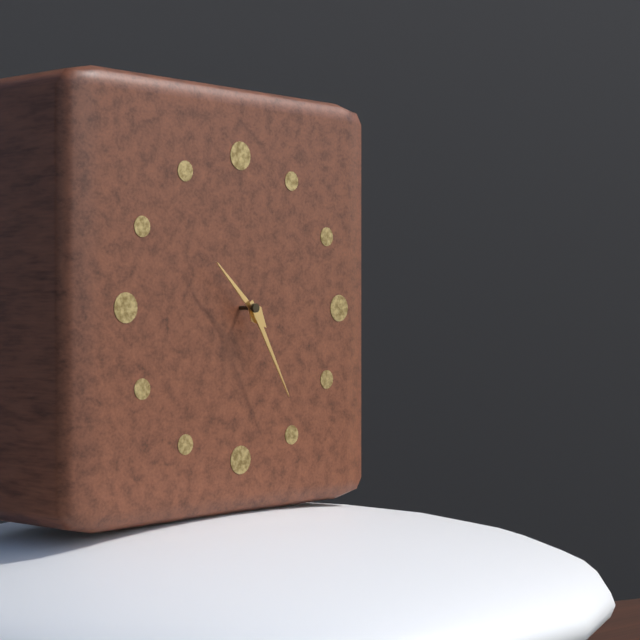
10:25
